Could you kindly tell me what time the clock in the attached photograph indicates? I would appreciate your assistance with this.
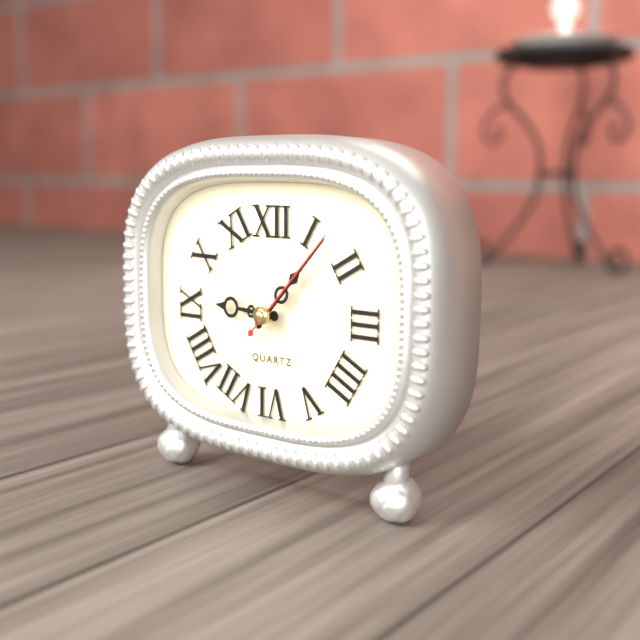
9:07:07
